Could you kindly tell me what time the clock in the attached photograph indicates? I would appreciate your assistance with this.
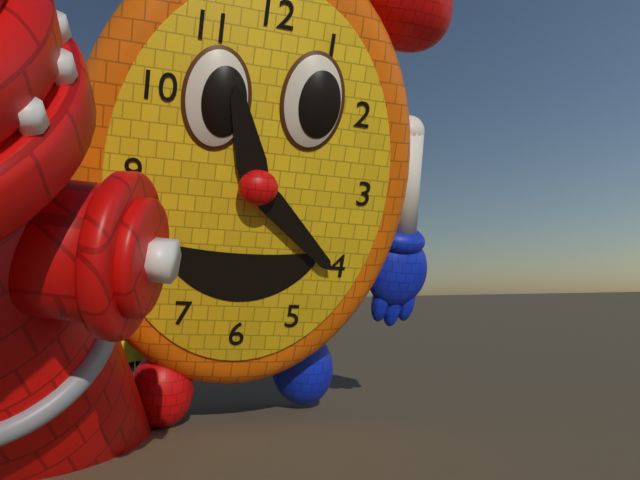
11:22
